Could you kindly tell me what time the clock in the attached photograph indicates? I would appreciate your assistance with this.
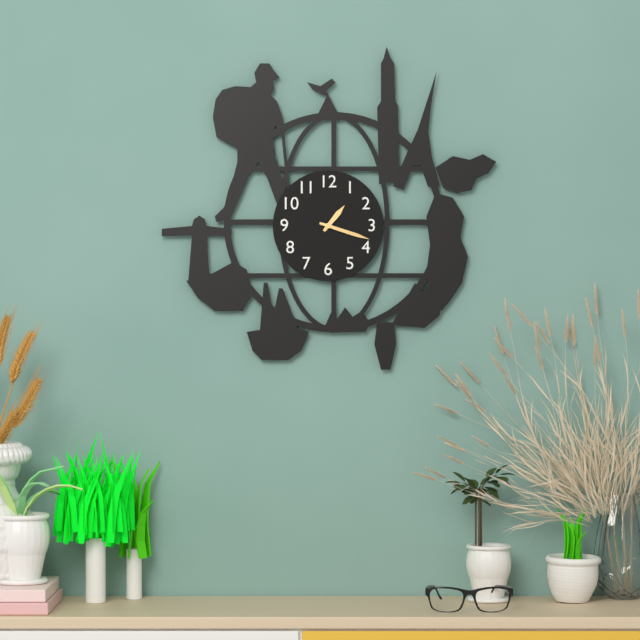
1:18
